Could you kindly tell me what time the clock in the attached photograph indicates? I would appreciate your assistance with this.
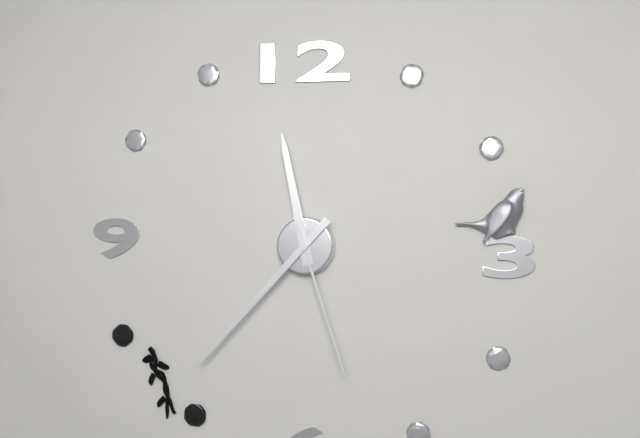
11:37:27
